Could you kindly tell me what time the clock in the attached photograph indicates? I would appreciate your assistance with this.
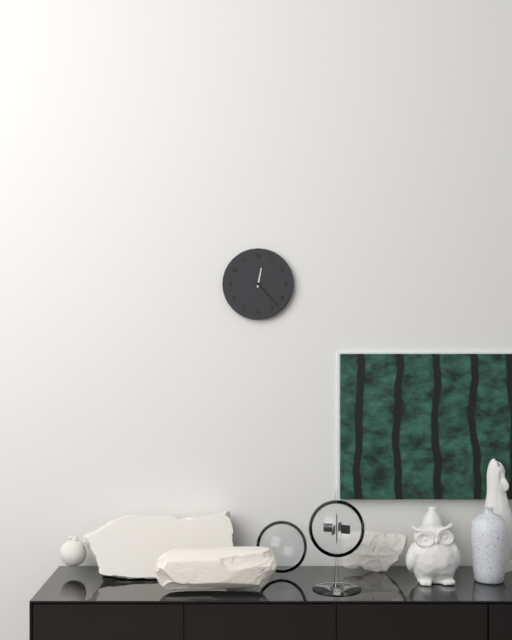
12:23
